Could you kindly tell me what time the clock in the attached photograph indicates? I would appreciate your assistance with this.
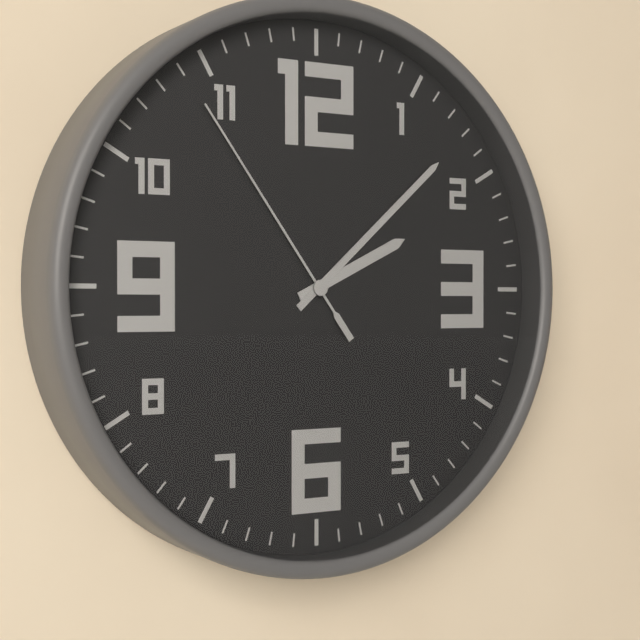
2:08:54
